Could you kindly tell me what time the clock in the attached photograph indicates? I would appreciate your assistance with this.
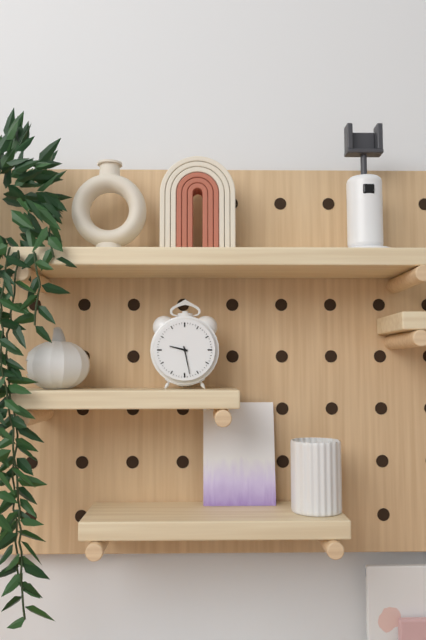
9:28
